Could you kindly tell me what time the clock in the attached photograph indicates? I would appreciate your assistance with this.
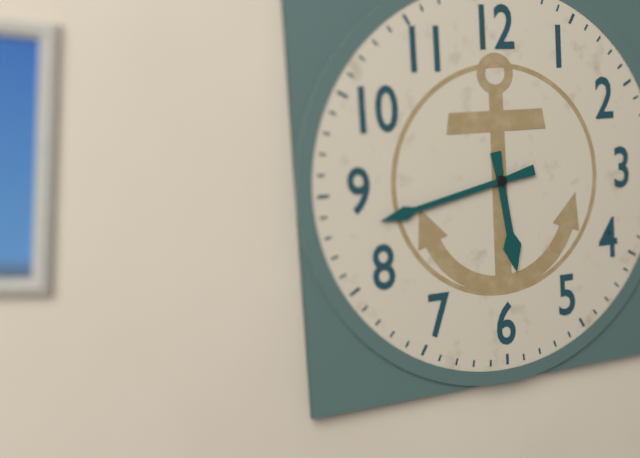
5:43
